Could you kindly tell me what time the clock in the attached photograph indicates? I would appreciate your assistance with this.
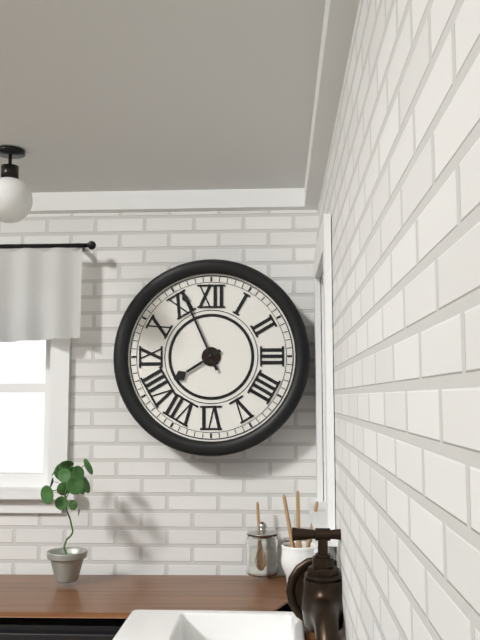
7:56
